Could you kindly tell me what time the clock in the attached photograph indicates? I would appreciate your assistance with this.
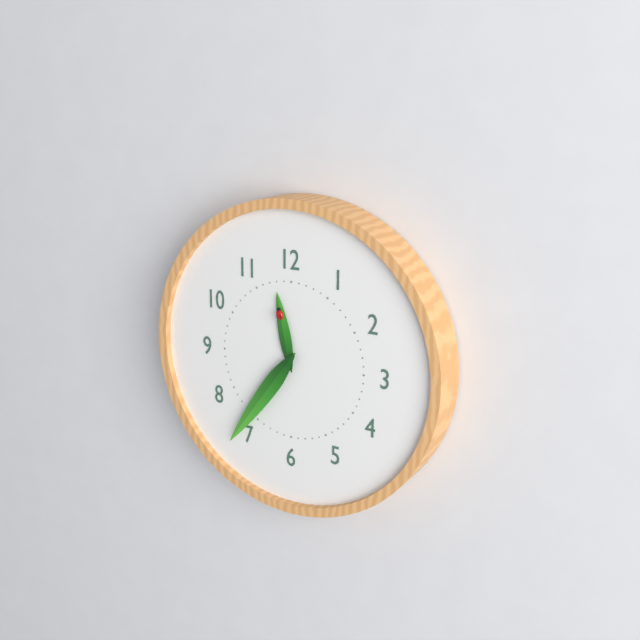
11:36
